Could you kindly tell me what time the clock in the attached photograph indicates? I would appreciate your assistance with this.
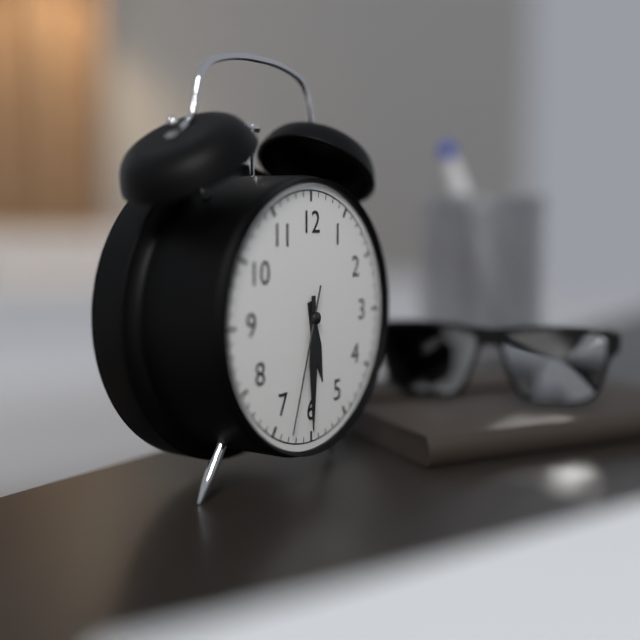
5:30:33
